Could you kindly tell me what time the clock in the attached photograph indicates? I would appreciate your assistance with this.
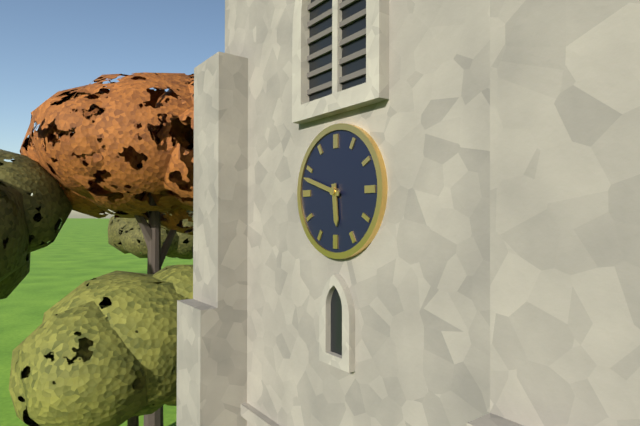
5:48
